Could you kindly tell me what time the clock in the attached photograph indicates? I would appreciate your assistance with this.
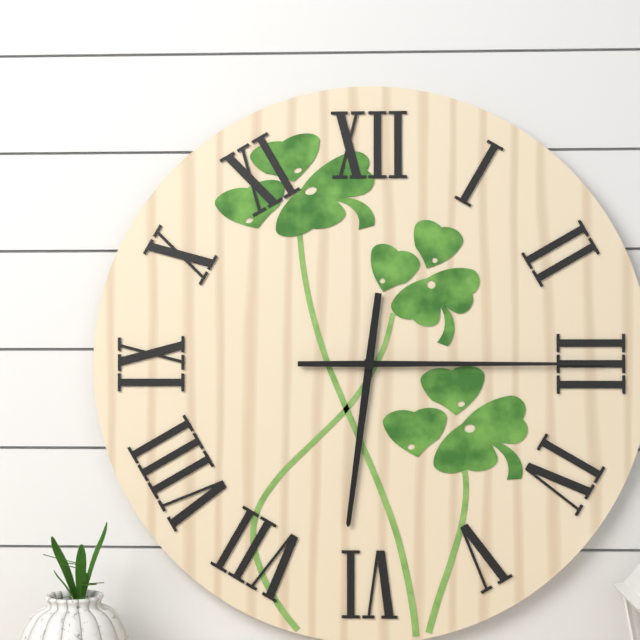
6:15
